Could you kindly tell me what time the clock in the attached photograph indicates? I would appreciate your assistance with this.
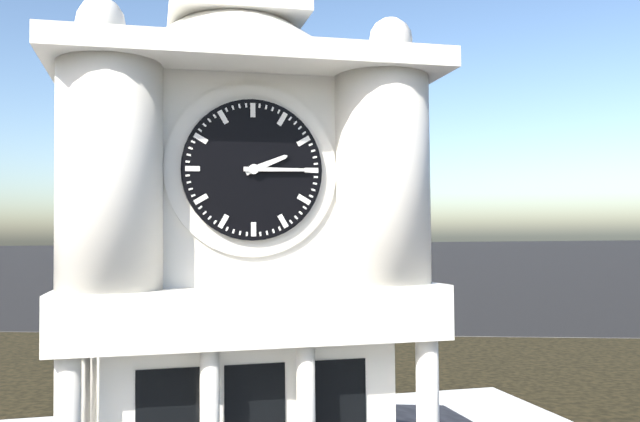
2:15
